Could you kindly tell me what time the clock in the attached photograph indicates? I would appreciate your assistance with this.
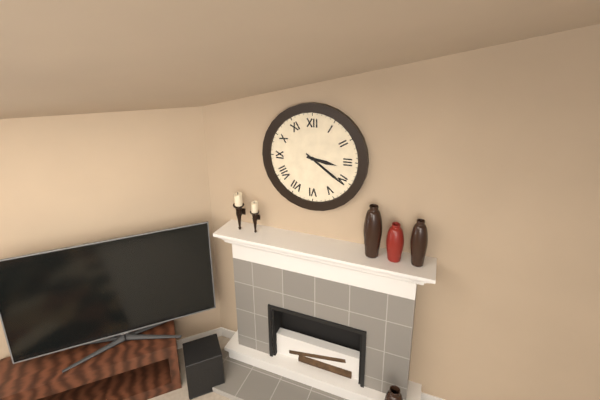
3:21
